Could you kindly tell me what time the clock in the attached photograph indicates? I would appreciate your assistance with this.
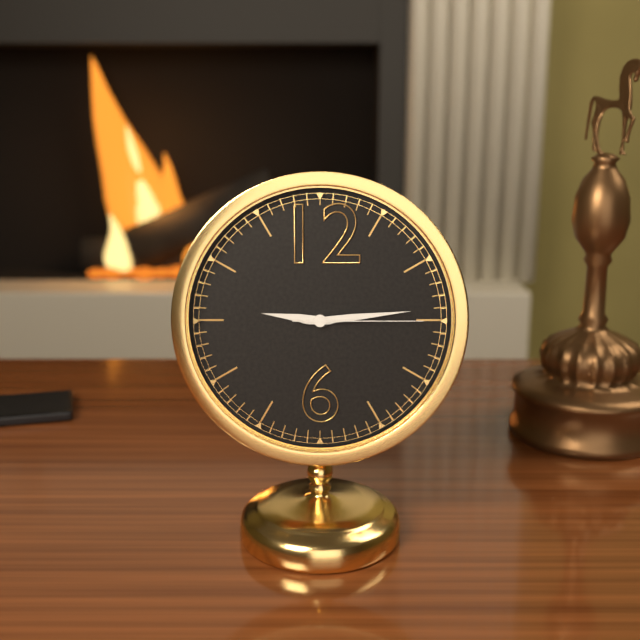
9:14:15
